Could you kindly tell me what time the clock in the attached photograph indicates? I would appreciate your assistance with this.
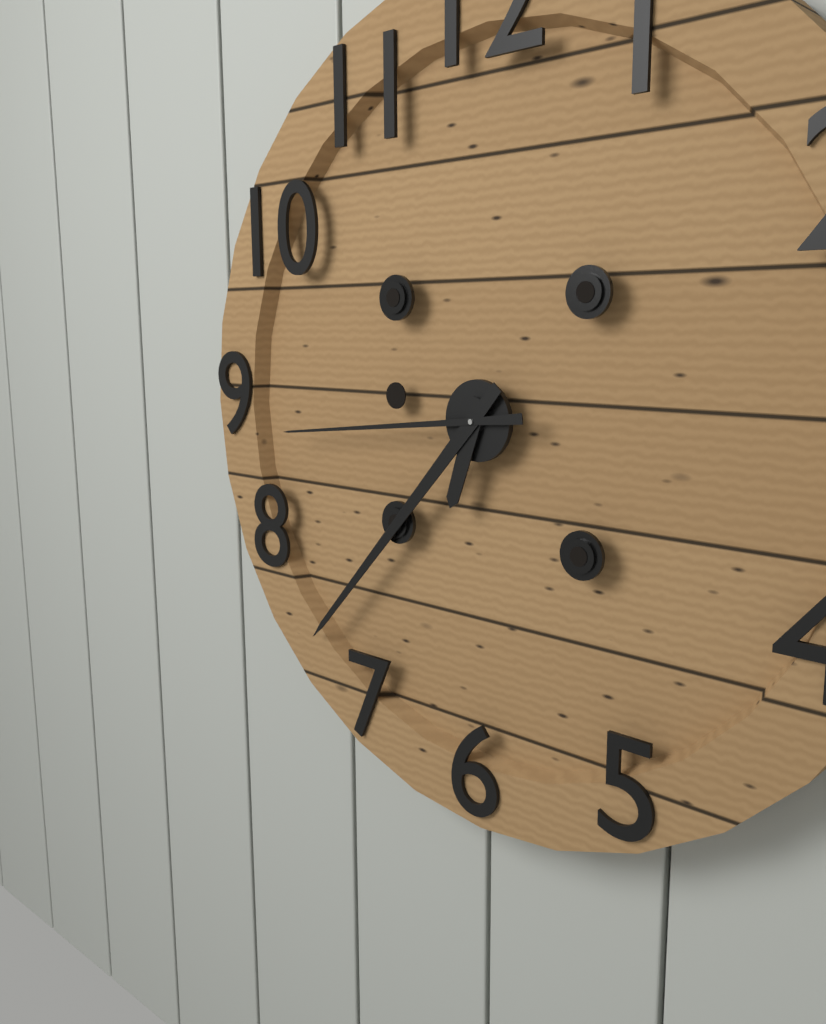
6:37:44
